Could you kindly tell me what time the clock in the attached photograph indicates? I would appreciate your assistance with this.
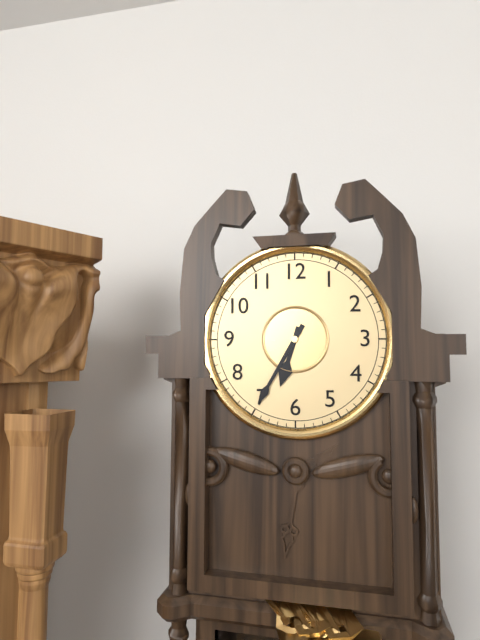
6:35
